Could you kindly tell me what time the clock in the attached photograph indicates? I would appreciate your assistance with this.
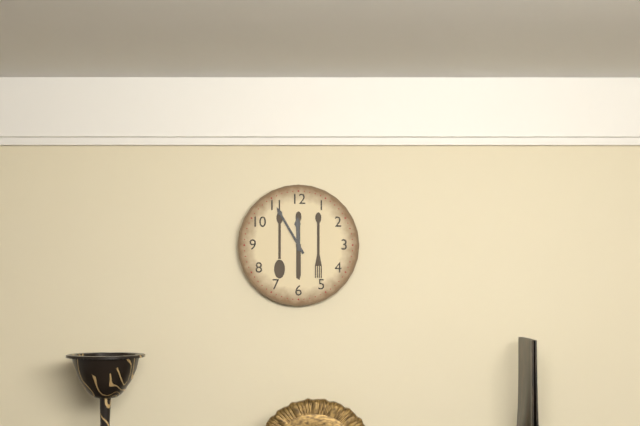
11:55
